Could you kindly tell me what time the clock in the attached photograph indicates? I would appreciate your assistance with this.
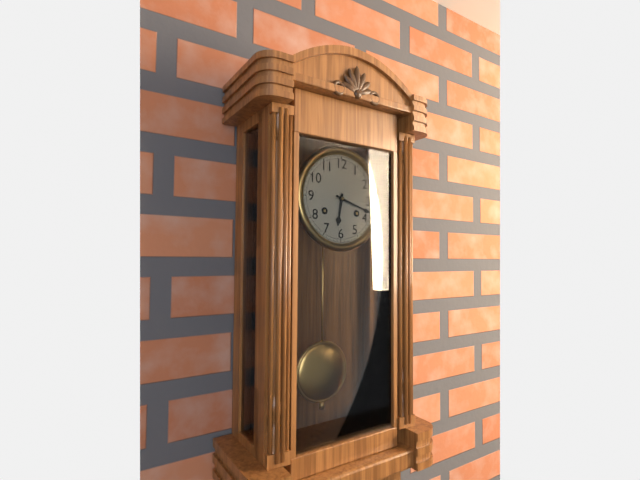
6:18
